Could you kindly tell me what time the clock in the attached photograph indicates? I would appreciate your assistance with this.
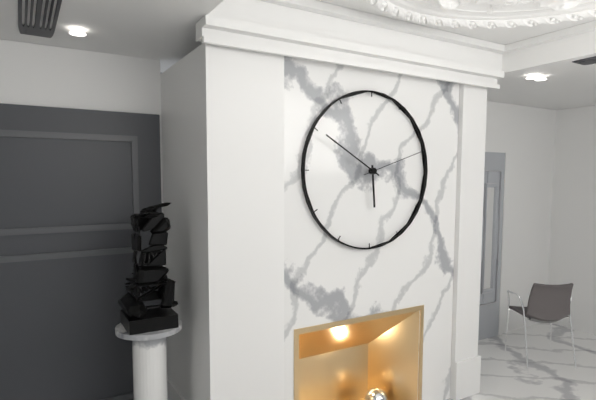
5:50:12
